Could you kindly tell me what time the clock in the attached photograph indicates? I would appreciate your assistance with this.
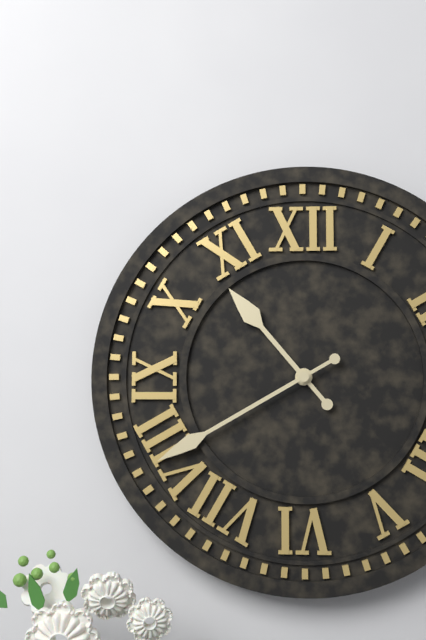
10:40
